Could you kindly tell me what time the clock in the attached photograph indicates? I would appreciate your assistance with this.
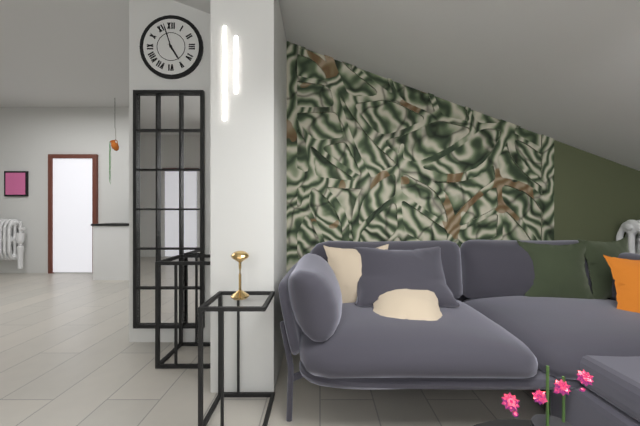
4:57
